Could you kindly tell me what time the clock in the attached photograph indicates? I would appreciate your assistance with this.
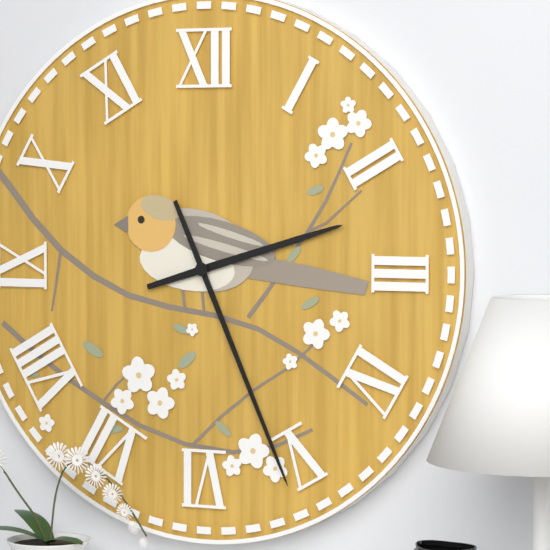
2:26
